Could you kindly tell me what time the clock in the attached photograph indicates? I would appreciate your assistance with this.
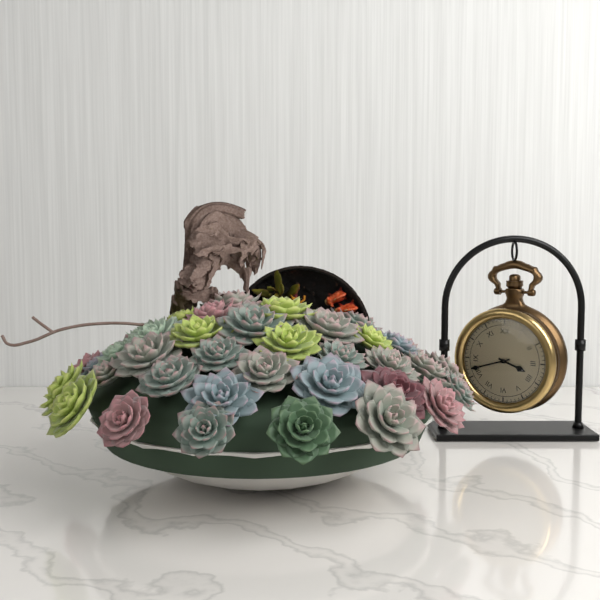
3:42
